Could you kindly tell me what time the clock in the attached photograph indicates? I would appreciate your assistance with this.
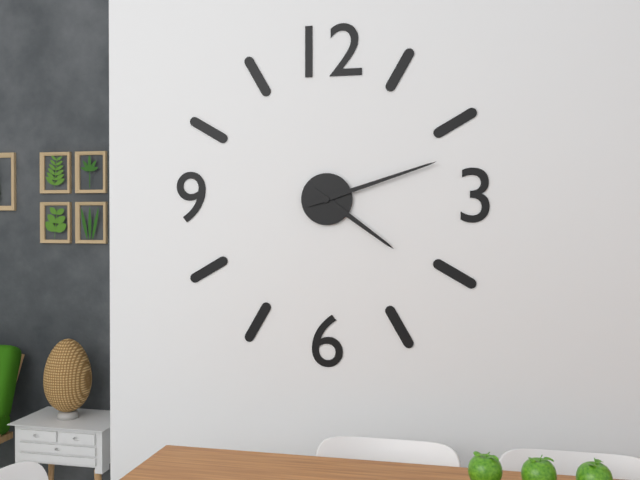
4:12
